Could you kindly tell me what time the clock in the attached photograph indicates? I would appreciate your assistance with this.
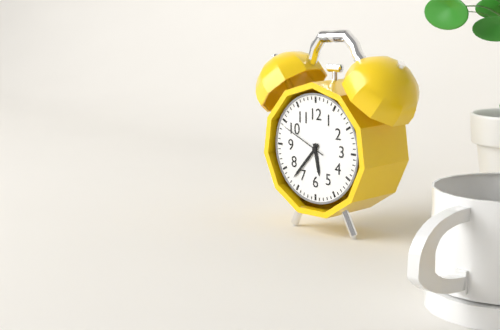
5:37
